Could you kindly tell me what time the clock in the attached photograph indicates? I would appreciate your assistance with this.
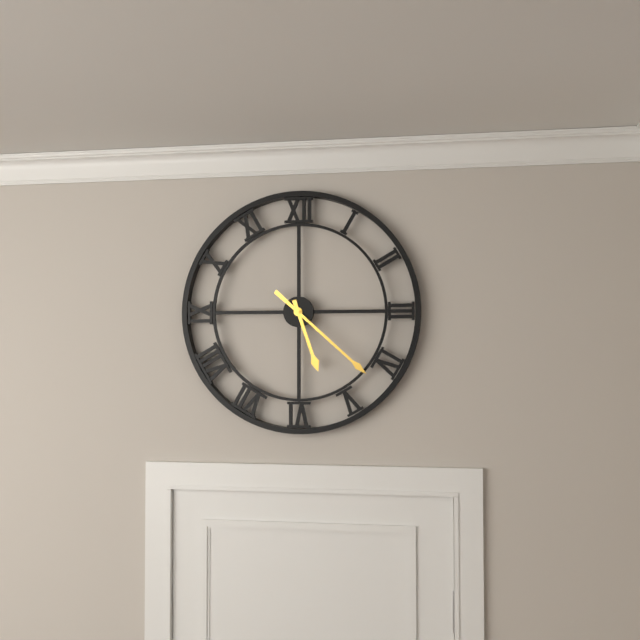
5:22
